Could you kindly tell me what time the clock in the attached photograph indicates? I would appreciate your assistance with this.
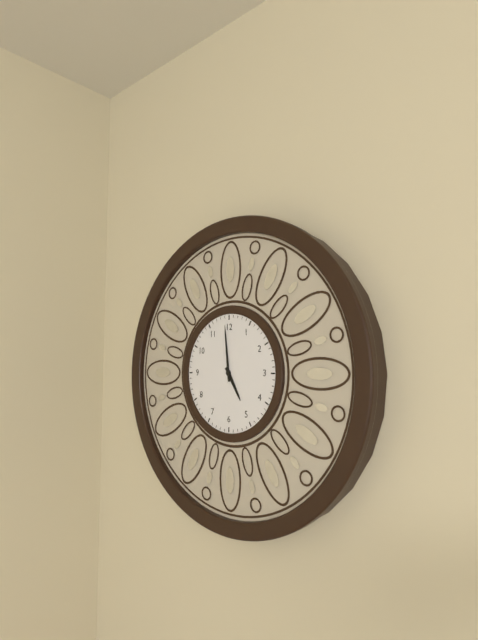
4:59
